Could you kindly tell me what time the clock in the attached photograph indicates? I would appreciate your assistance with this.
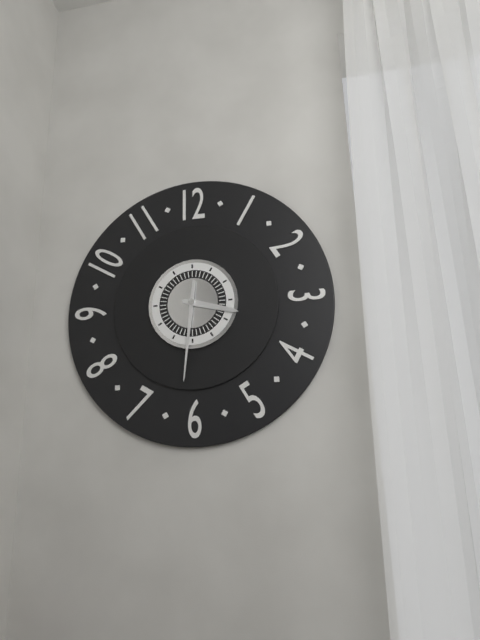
3:31
